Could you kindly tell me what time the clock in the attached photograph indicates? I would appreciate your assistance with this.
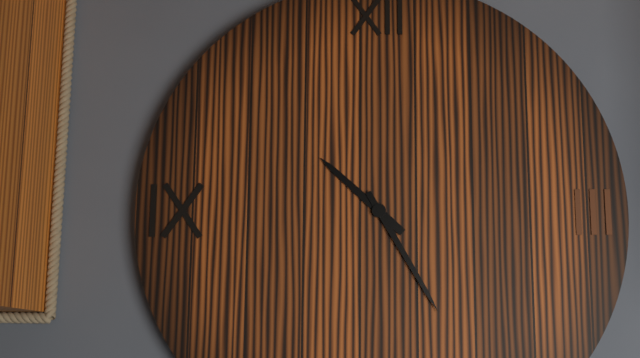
10:25
